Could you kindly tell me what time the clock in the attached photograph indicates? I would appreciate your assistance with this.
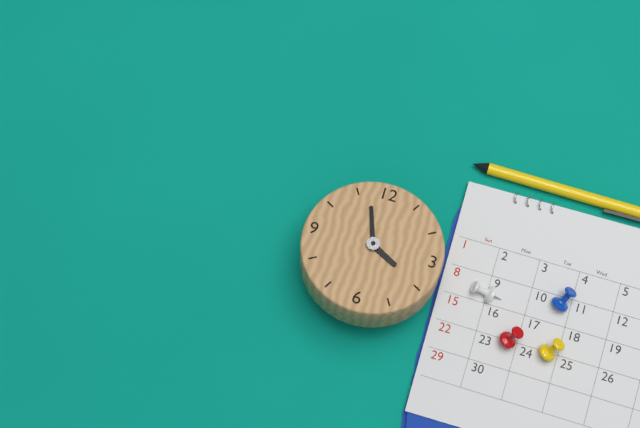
3:57
